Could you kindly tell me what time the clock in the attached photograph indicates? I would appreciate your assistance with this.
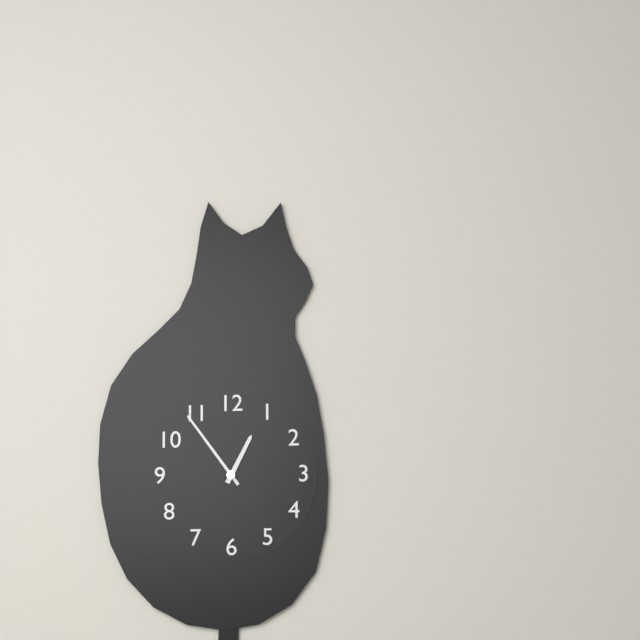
12:54
